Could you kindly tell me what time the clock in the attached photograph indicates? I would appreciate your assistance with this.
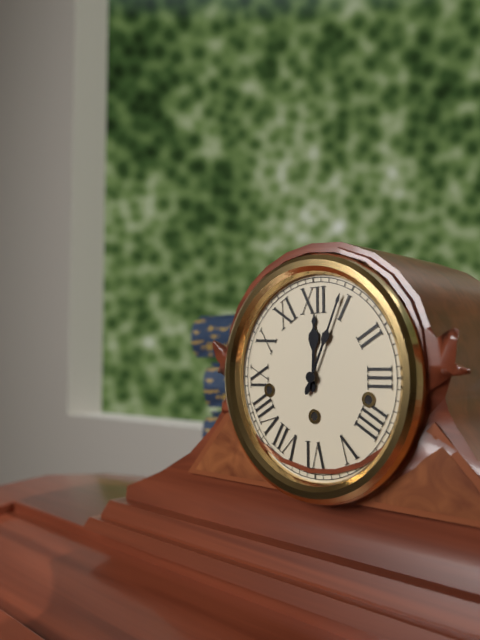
12:04
